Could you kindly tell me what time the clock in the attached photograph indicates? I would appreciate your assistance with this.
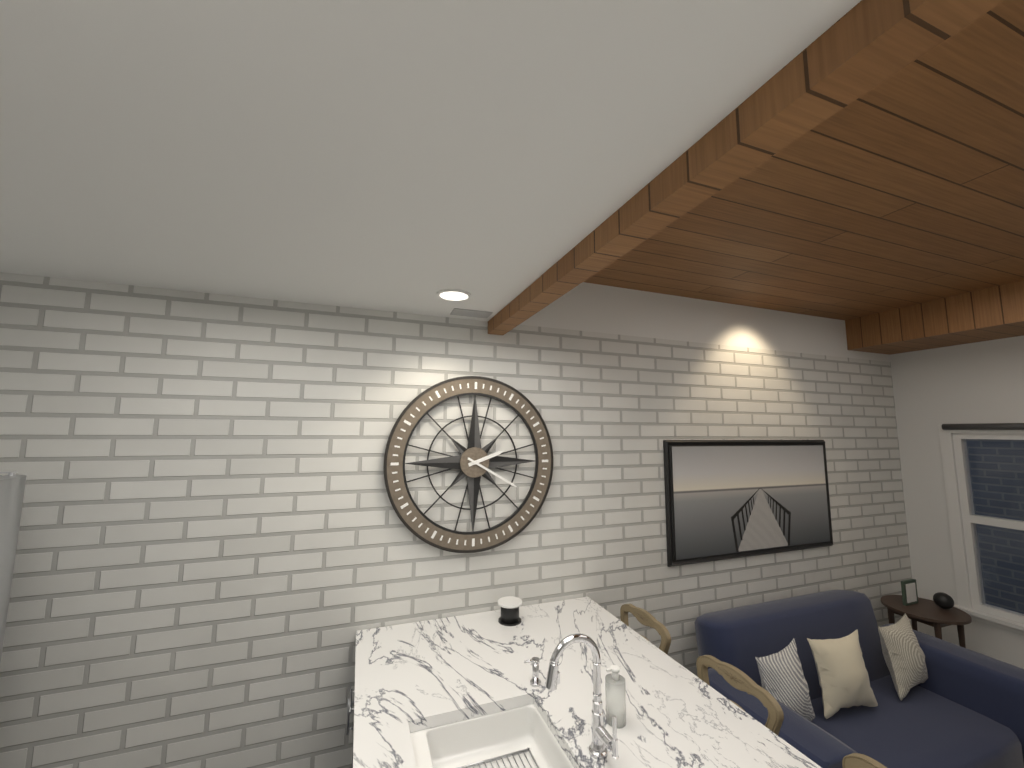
2:20
